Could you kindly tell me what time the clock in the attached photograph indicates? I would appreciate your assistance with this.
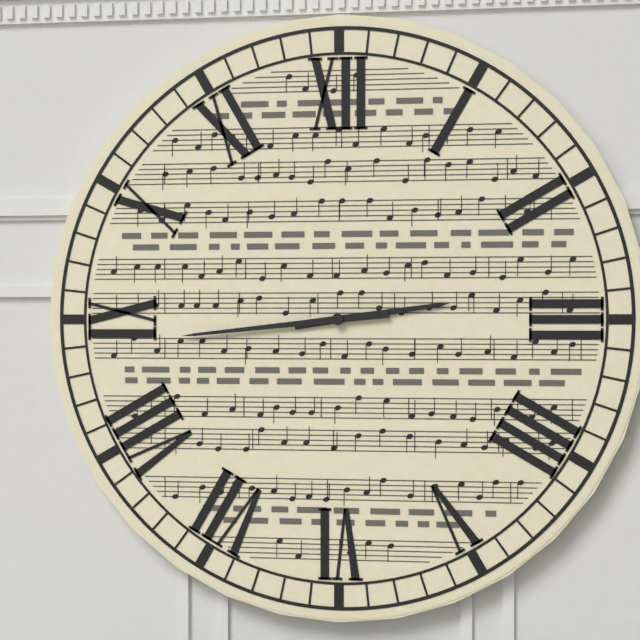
2:44
